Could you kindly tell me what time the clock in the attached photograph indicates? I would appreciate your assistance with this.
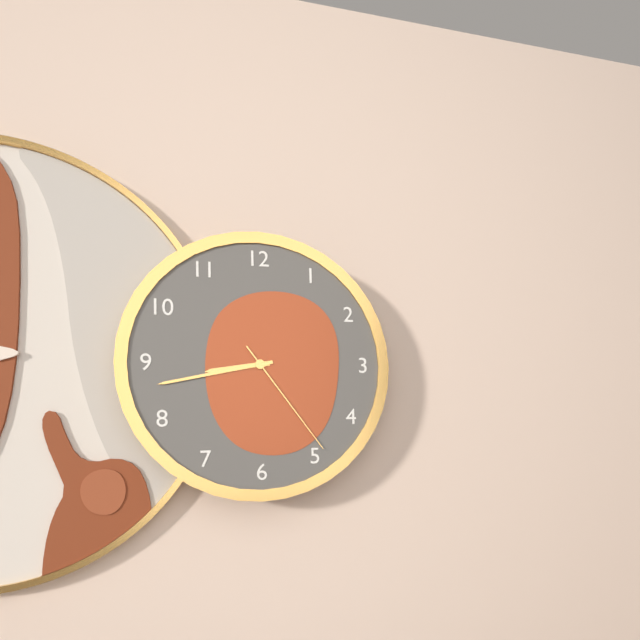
8:43:24
